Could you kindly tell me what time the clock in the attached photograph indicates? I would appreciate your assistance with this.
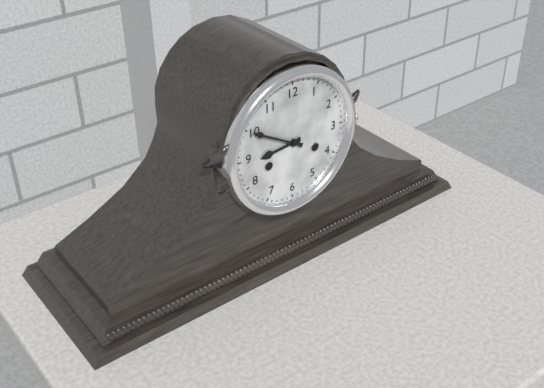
8:50
